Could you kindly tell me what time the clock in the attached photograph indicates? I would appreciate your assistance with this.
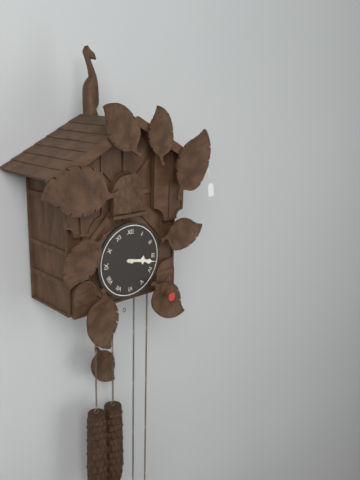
3:17
